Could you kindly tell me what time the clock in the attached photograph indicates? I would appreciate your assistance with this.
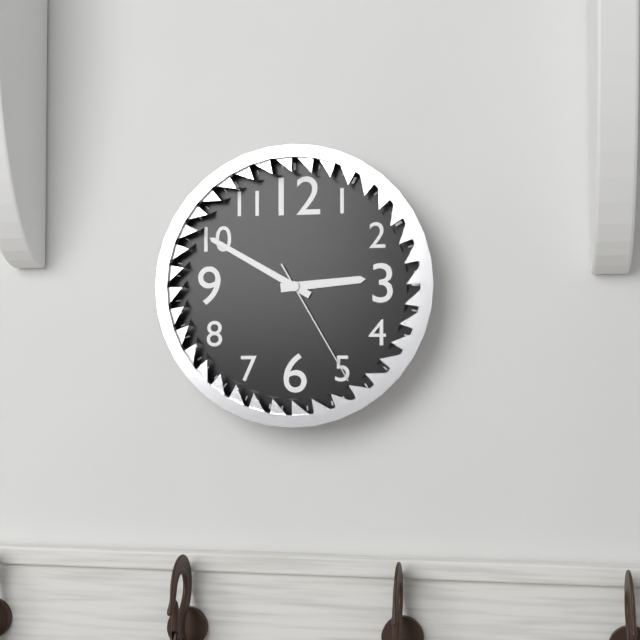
2:50:25
